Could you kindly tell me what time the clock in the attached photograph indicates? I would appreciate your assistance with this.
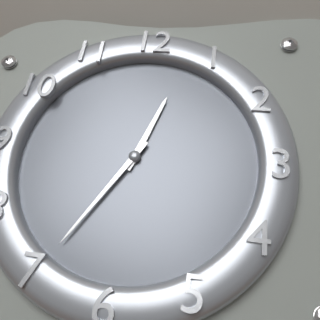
12:35
